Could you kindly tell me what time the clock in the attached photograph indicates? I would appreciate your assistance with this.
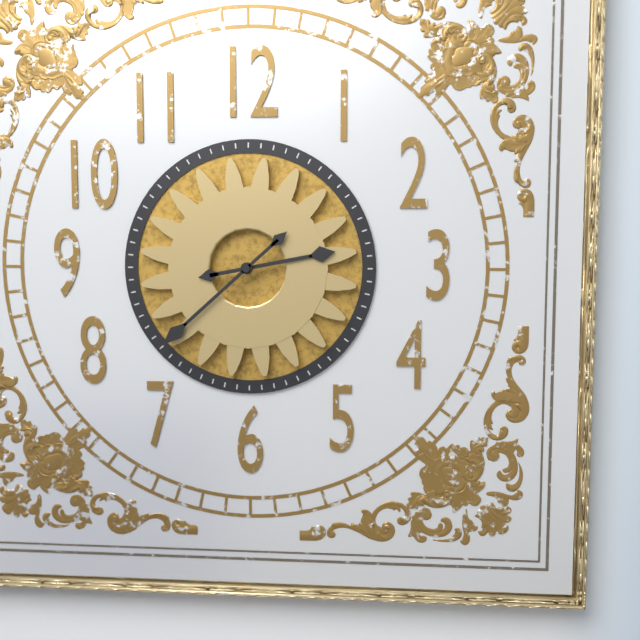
2:38
